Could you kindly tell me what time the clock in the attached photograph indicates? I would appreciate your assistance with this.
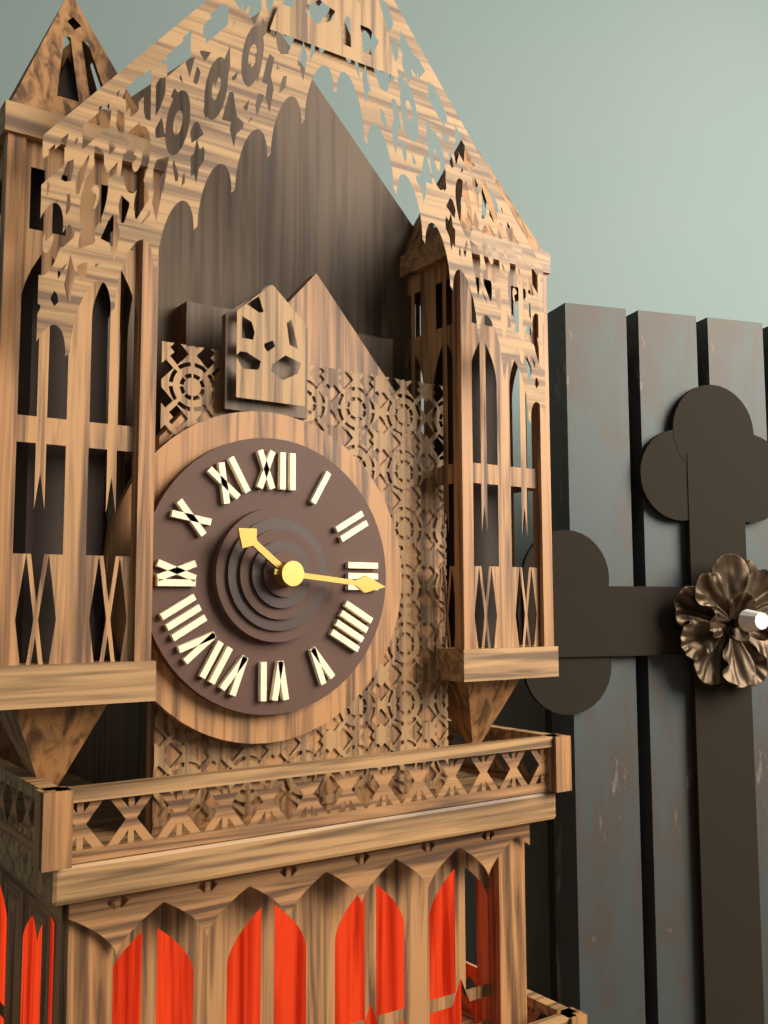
10:16
